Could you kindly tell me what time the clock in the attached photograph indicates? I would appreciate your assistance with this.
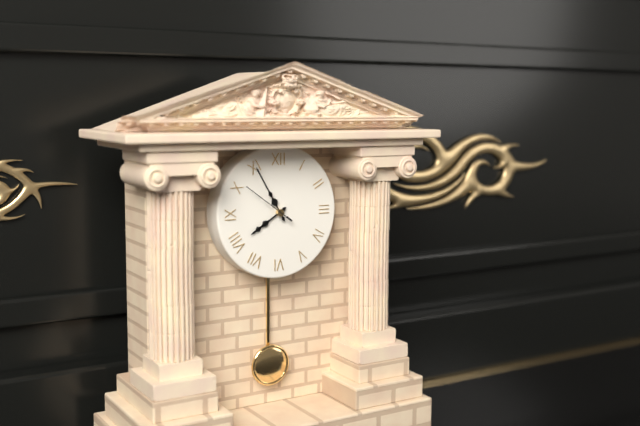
7:55
